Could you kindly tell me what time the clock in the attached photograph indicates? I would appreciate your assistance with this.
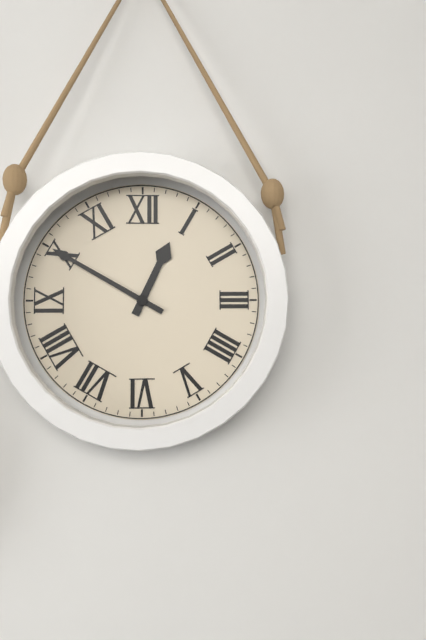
12:50
